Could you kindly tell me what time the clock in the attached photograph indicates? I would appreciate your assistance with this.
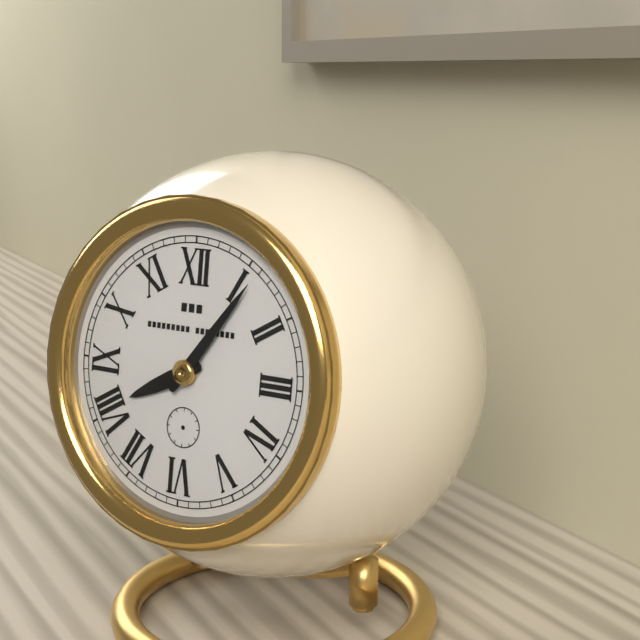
8:06
